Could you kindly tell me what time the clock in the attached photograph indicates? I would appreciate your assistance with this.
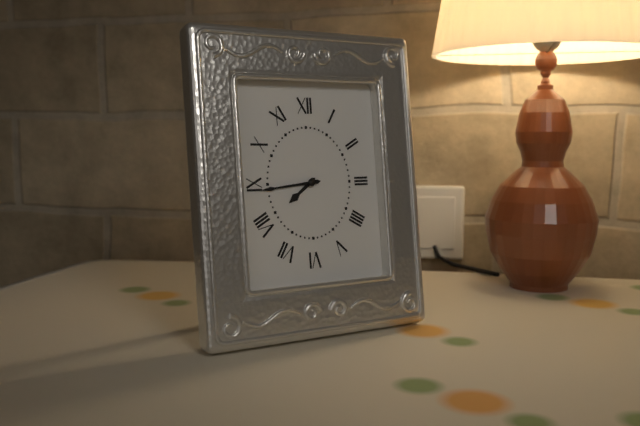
7:44
